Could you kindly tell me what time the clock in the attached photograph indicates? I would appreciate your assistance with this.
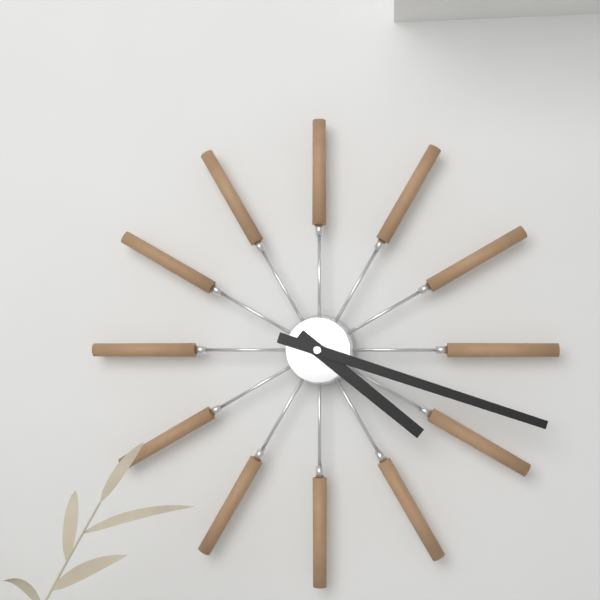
4:18
